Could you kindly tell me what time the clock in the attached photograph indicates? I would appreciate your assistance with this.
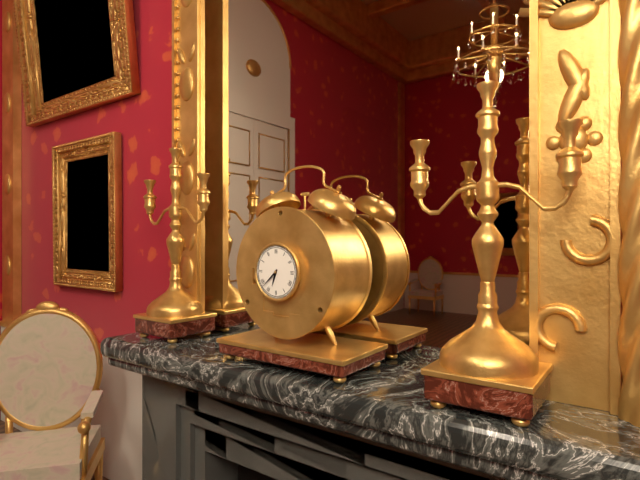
6:38
